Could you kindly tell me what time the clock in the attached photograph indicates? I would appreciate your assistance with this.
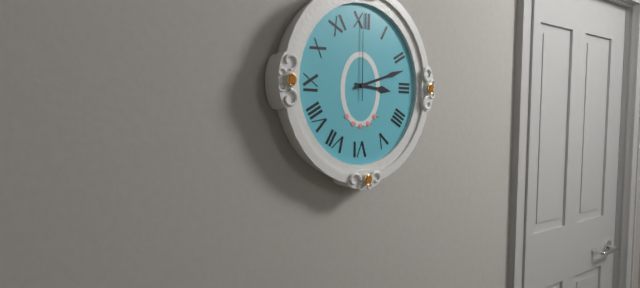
3:12:00
